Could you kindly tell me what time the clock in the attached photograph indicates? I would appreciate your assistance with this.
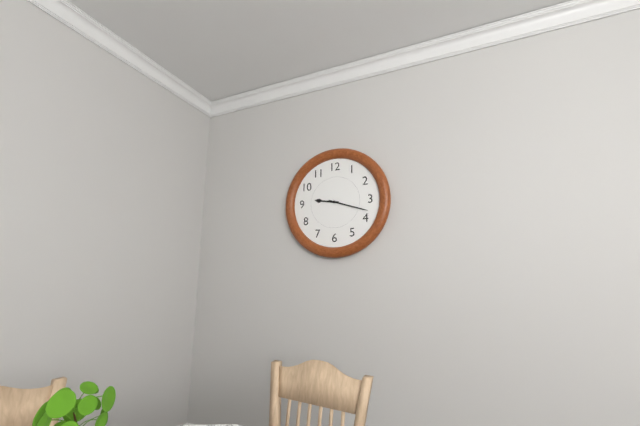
9:18
